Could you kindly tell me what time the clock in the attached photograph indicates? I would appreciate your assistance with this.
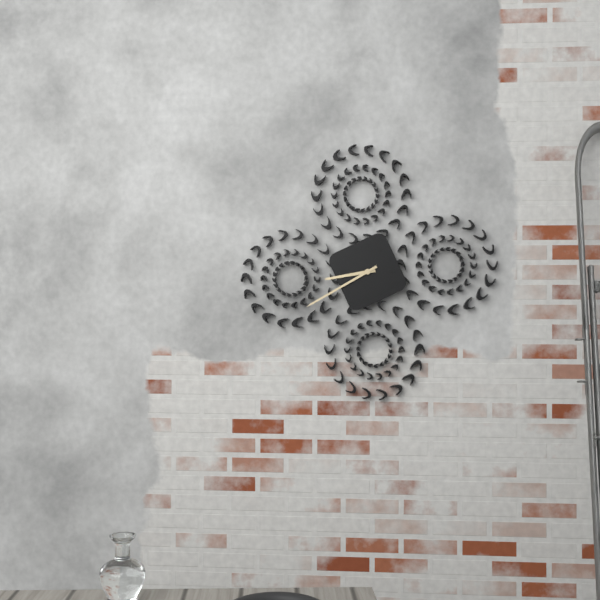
8:40
